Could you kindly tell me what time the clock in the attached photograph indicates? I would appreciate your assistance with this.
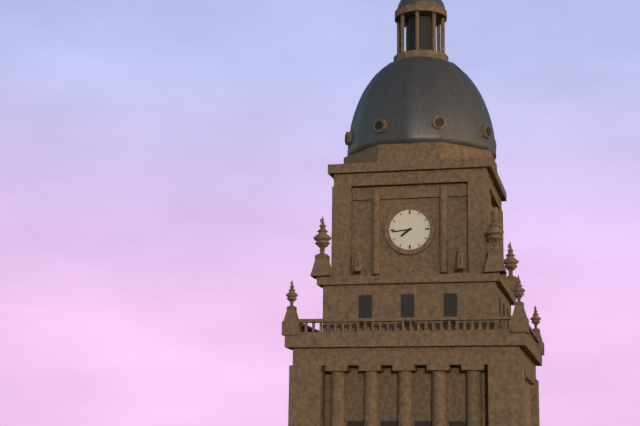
7:44
